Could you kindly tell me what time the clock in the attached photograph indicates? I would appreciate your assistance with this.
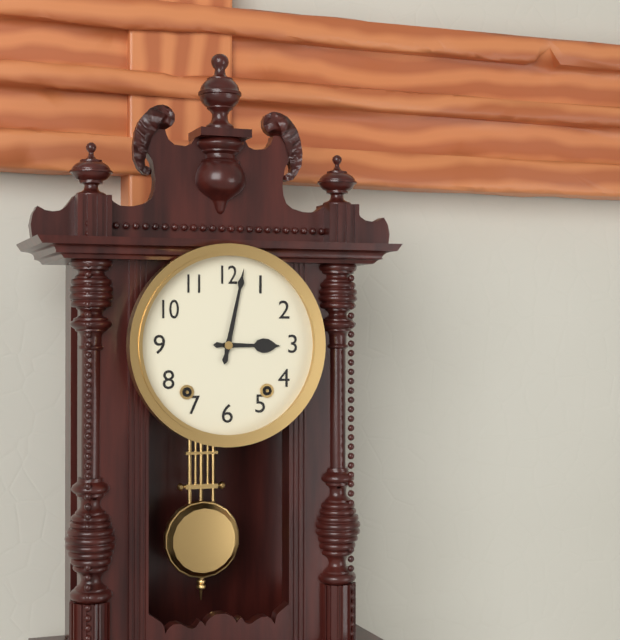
3:02
